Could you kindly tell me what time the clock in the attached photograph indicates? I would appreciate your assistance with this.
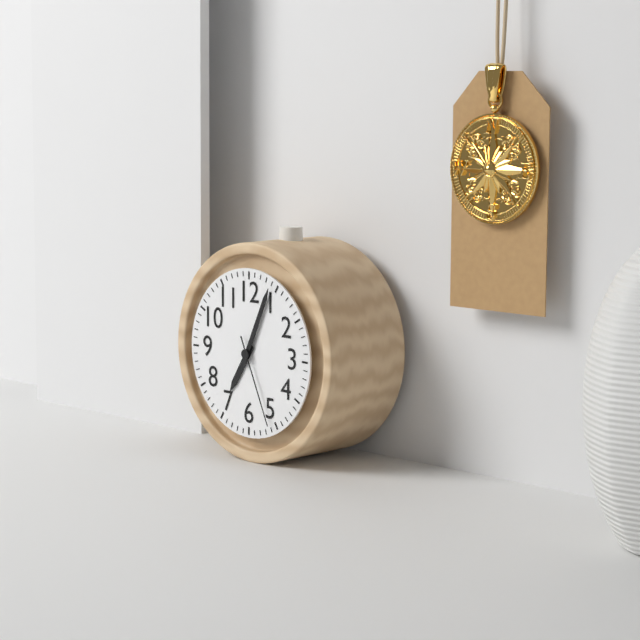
7:04:26
